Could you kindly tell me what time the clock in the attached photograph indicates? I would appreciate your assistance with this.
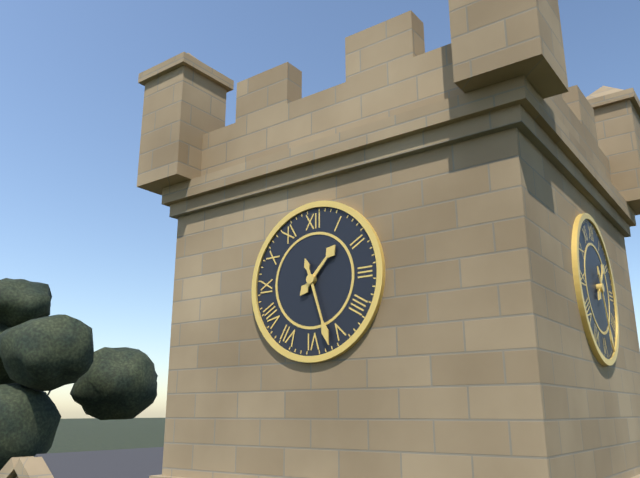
1:27
